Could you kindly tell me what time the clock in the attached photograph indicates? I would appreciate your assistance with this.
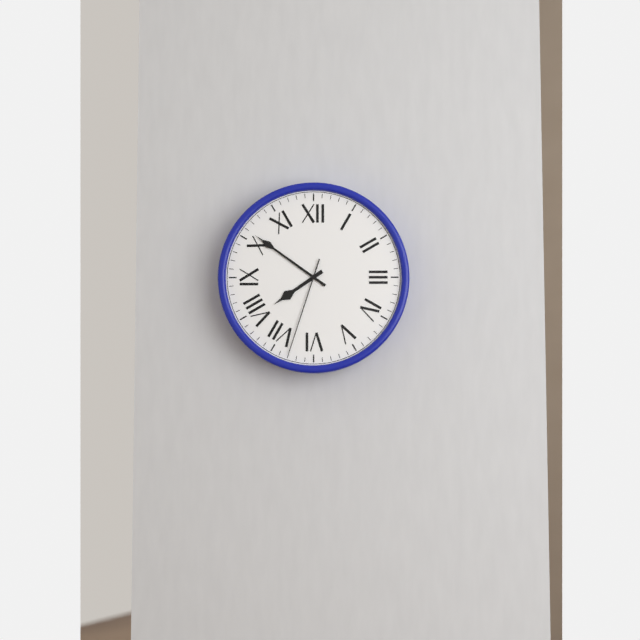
7:51:33
